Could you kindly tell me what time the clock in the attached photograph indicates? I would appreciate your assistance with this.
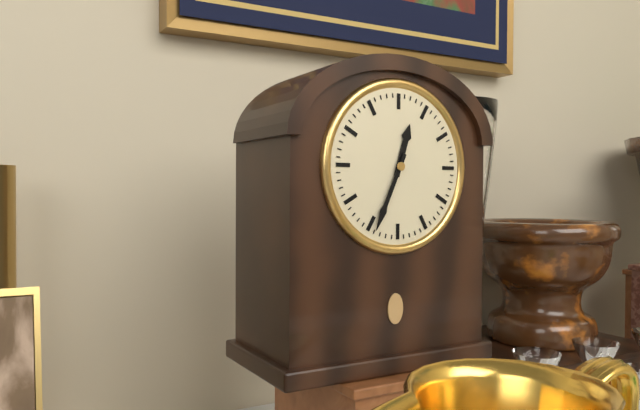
12:34
